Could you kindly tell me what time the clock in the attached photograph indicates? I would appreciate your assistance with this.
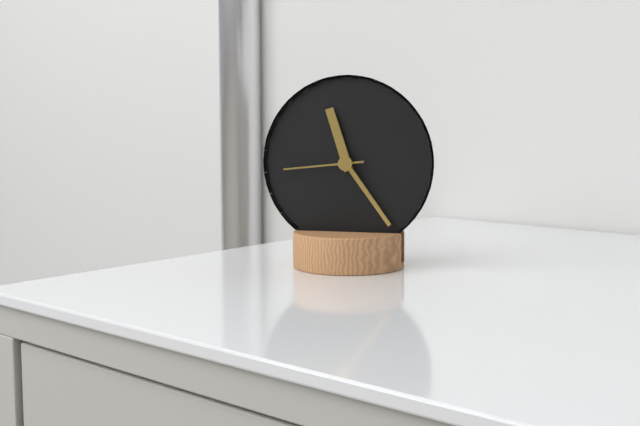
11:24:44
